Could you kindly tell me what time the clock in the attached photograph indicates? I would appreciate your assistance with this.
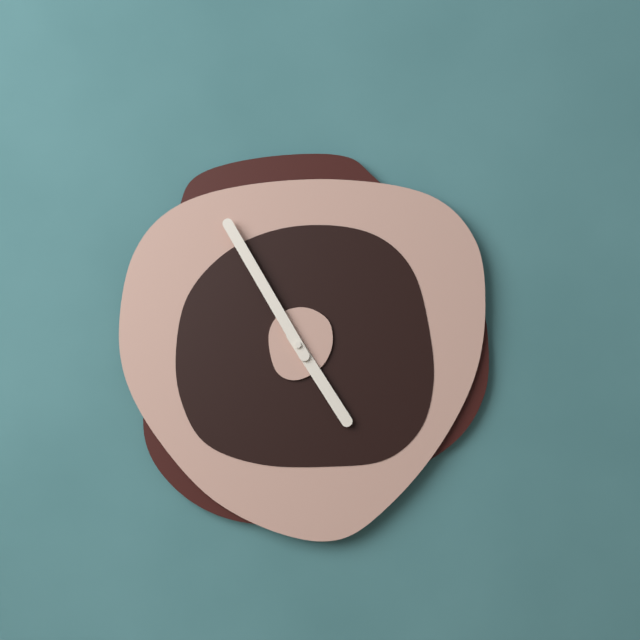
4:55
